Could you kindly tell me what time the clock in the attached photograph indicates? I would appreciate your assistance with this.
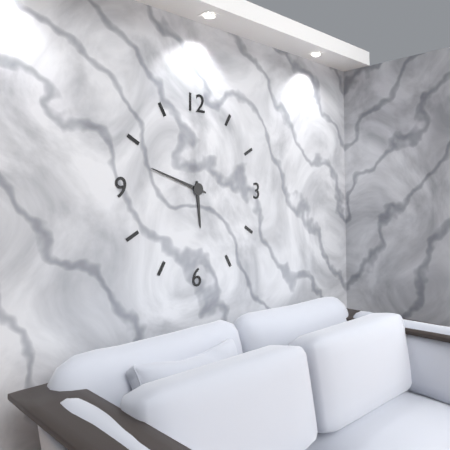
5:48
